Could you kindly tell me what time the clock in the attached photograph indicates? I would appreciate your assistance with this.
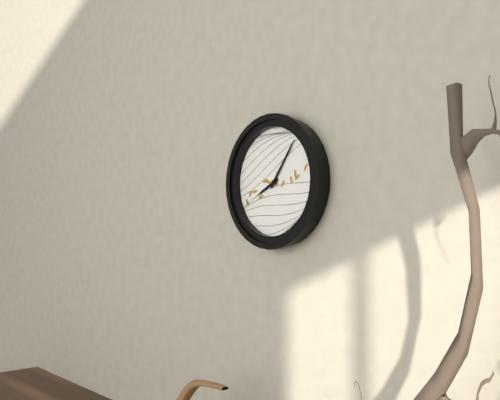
8:06
